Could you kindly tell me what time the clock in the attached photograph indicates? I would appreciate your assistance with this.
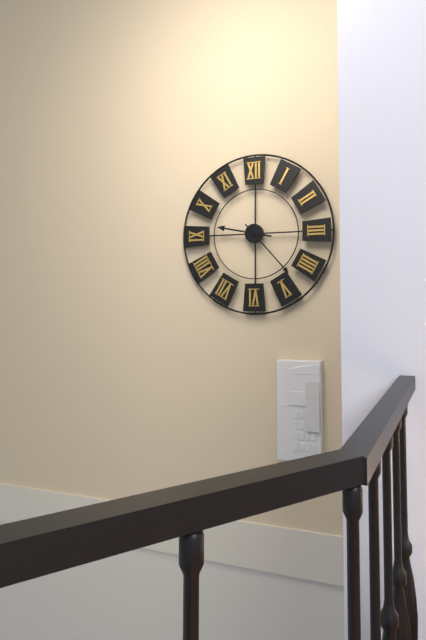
9:23
